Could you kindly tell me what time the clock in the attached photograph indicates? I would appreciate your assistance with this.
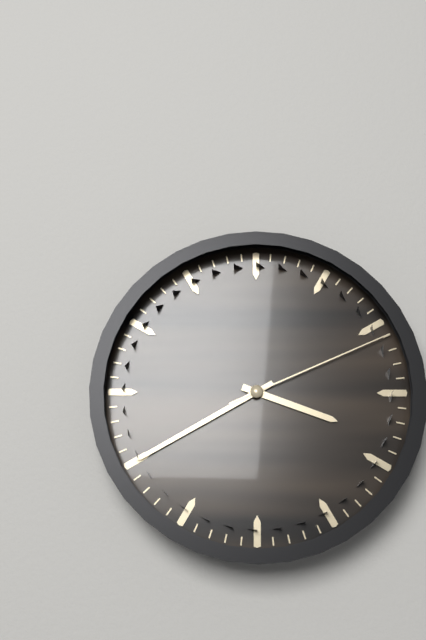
3:40:11
